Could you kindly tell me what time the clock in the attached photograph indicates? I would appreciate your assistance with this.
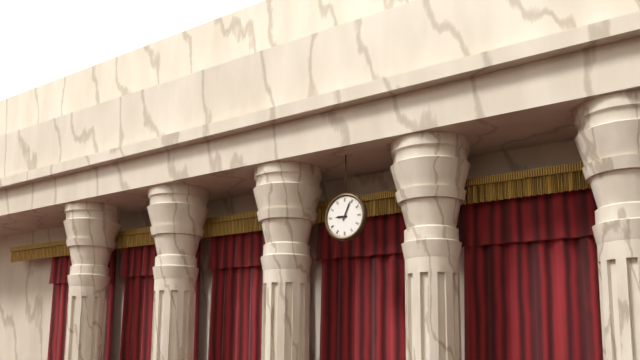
9:04
